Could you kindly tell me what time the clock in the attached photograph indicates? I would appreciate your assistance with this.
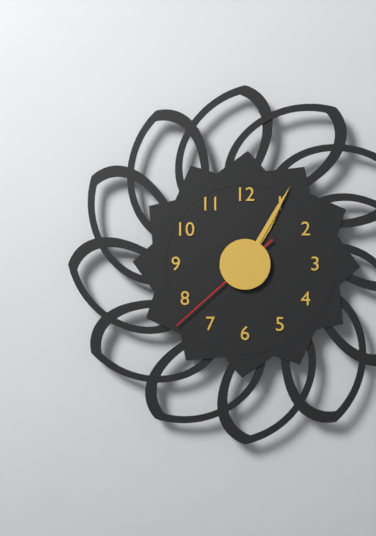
1:05:38
